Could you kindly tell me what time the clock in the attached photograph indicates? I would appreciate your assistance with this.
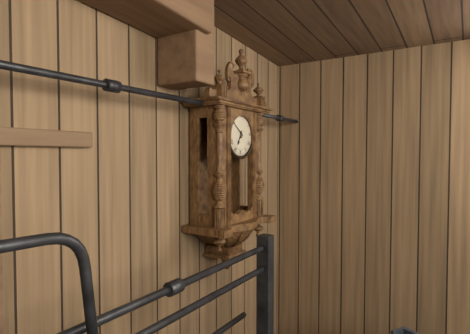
6:51
